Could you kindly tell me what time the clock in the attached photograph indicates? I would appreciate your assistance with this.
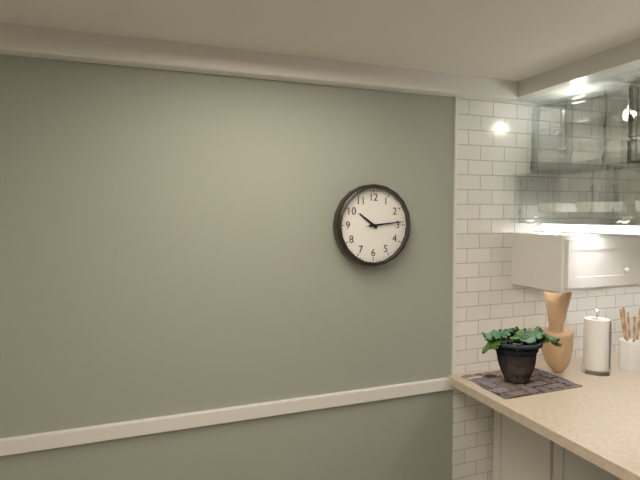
10:14
